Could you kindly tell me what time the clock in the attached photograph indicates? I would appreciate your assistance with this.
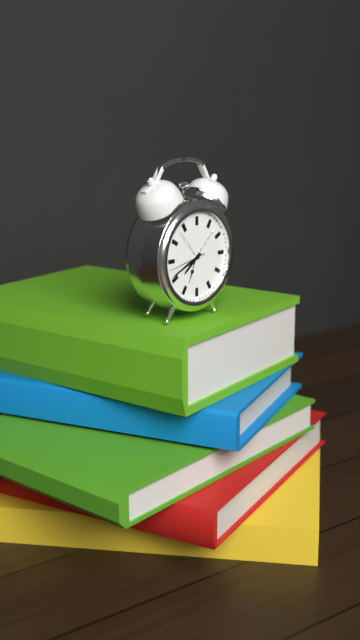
7:41
